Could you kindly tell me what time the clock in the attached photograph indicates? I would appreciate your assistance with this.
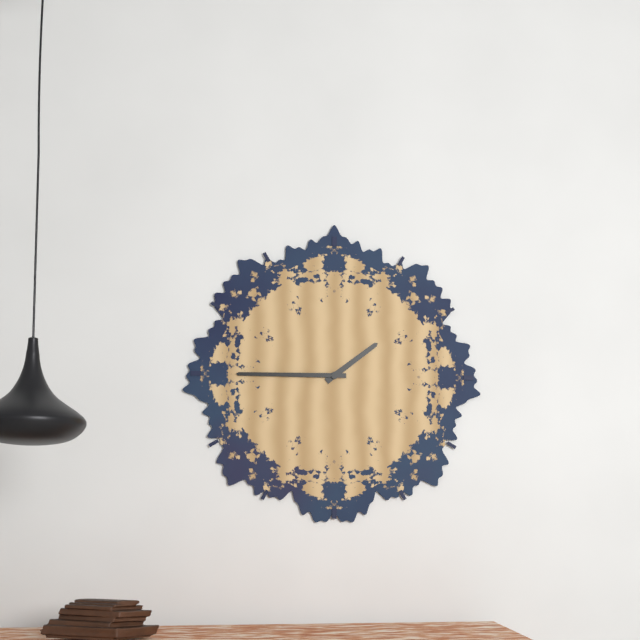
1:45
